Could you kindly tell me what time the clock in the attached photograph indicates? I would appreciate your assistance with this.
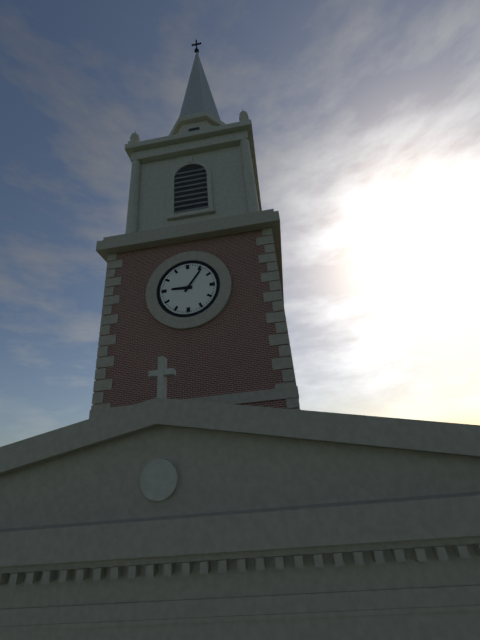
9:06
